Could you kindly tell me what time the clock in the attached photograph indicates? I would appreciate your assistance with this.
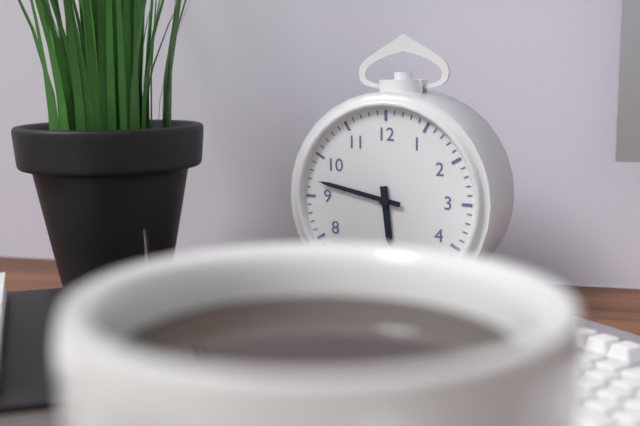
5:47
